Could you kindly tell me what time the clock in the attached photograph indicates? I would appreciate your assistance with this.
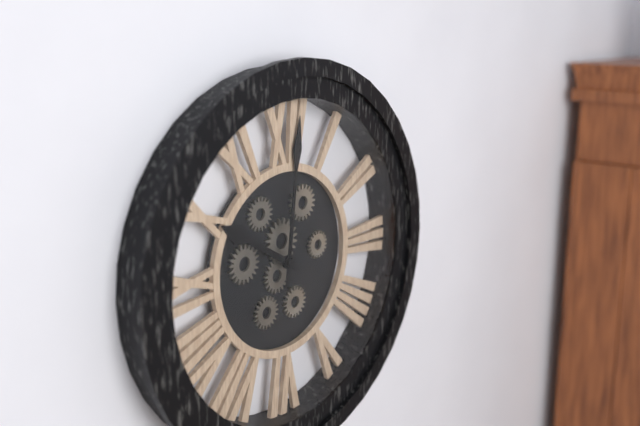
10:01
